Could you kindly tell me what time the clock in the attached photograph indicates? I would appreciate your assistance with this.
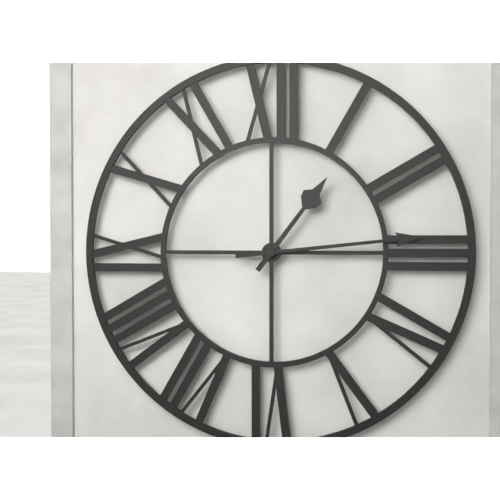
1:14
